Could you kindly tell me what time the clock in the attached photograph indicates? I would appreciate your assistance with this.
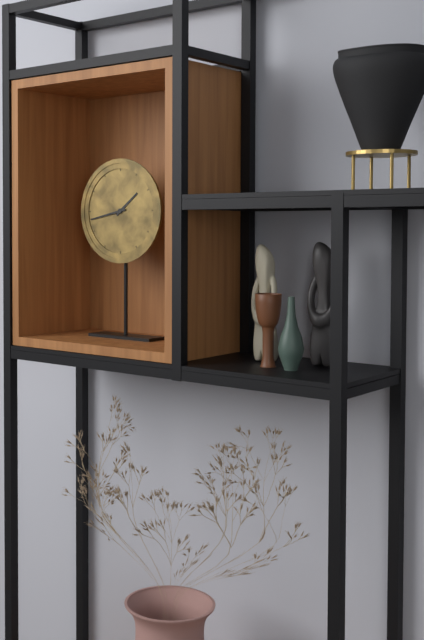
1:43
